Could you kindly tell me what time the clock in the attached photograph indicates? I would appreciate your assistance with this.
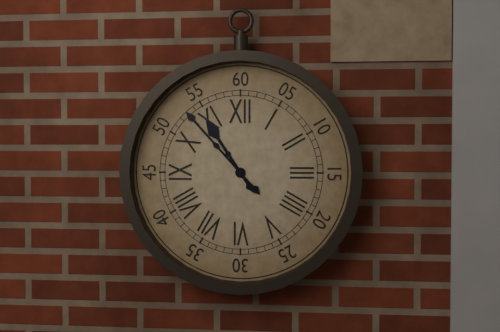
10:53
